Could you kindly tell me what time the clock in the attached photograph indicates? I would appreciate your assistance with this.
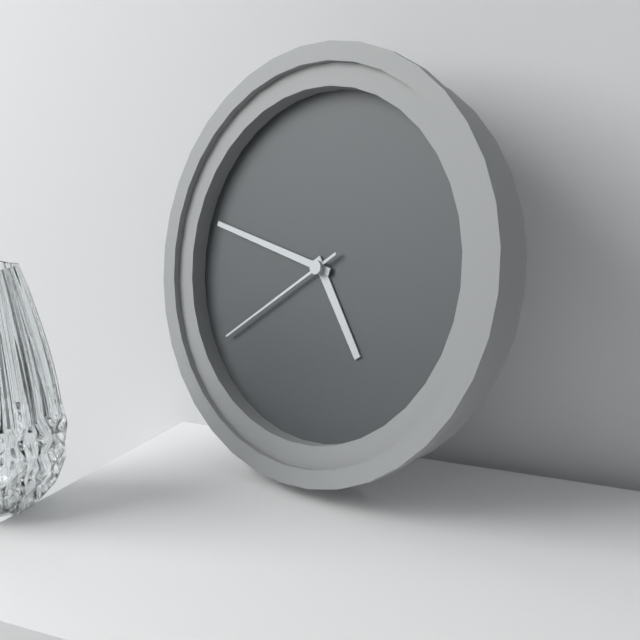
4:47:39
